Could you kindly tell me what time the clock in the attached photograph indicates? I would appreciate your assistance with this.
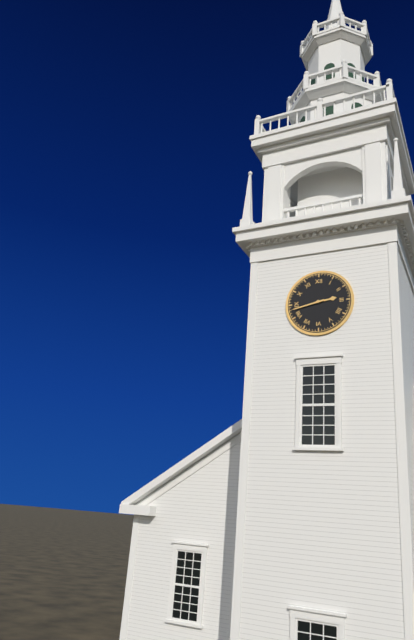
2:43
